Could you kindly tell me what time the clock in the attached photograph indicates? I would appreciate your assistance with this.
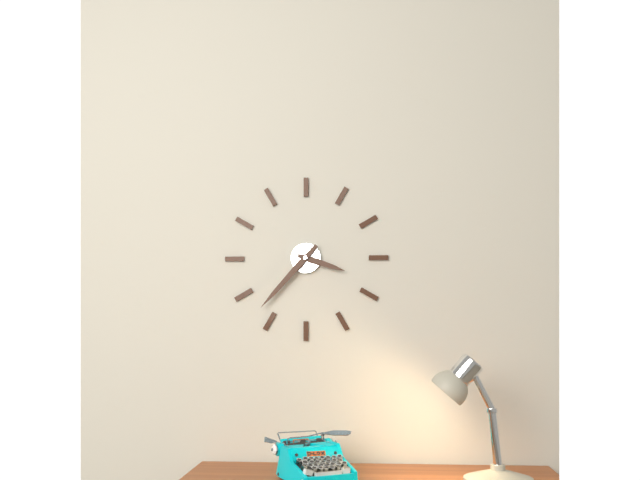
3:37
